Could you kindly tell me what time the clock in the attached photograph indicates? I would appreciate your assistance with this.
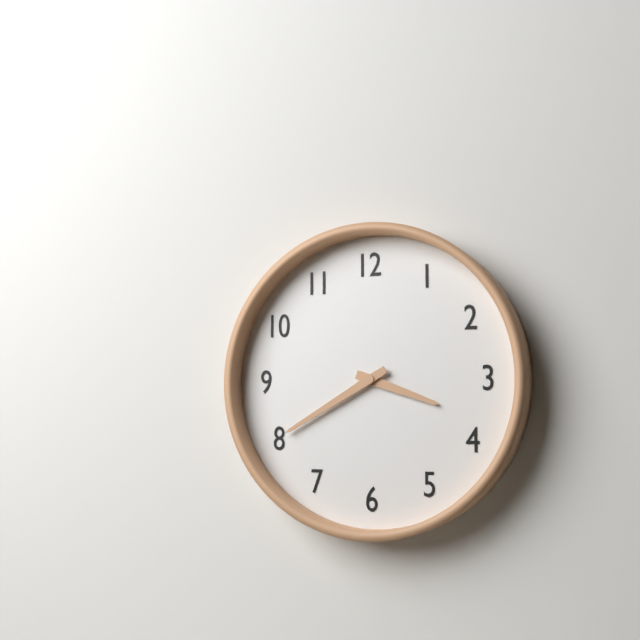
3:40
